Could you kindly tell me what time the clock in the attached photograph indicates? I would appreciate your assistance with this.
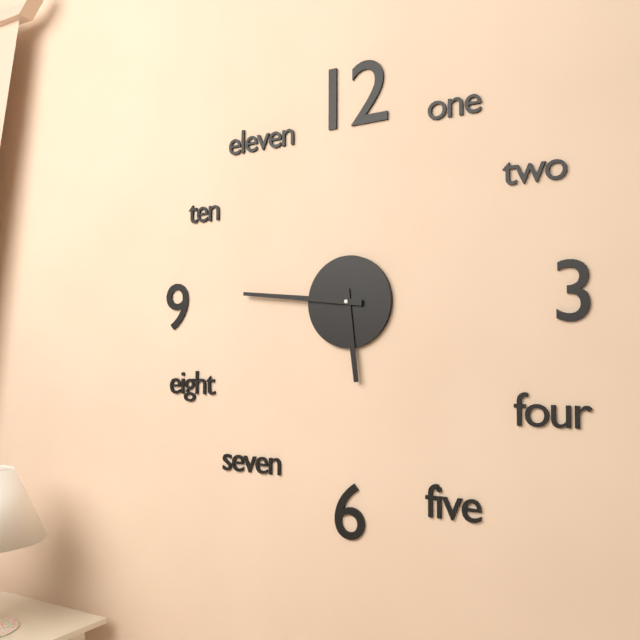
5:46
